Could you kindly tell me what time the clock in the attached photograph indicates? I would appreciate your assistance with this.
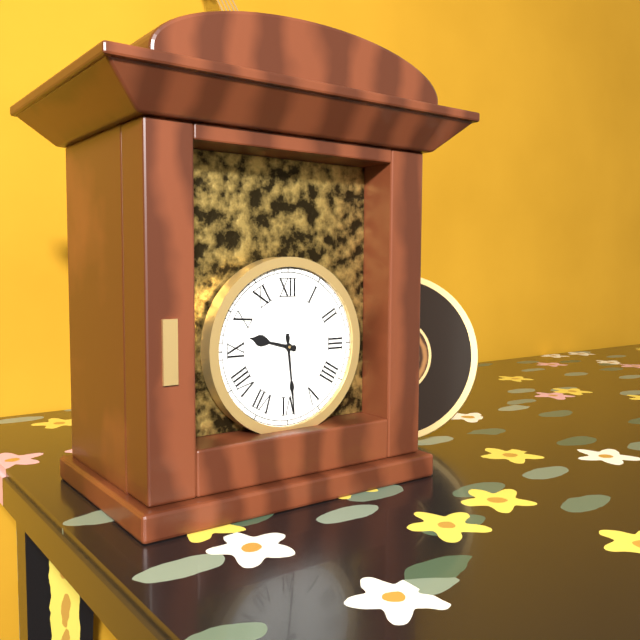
9:29
